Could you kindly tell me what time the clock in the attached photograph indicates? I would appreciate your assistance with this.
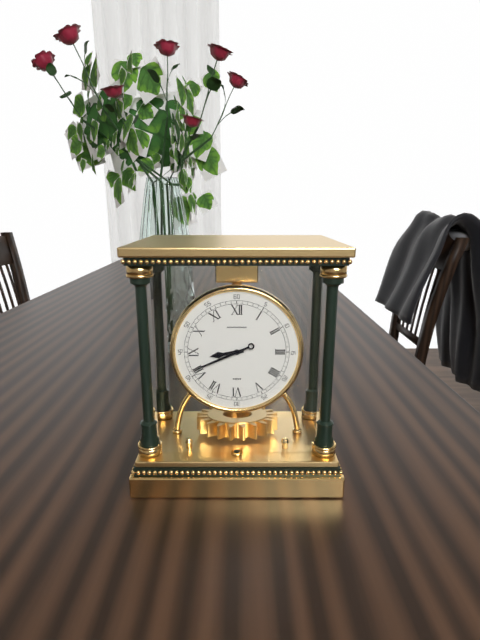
8:41
